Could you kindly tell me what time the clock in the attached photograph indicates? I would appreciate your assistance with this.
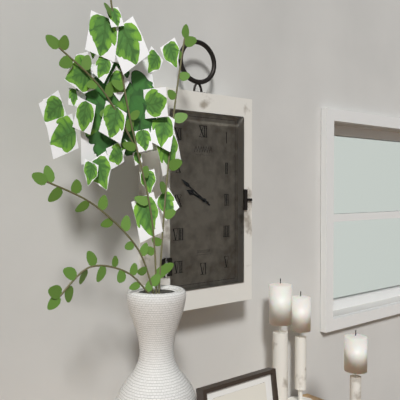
9:51
